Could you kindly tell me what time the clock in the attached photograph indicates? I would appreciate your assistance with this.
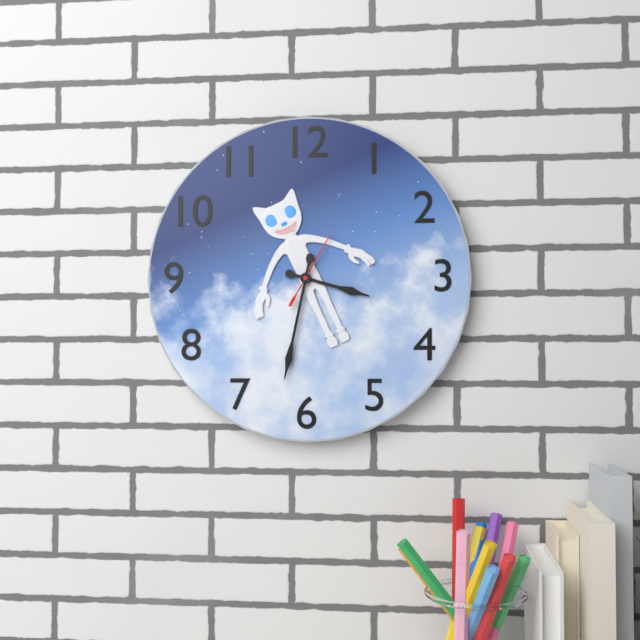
3:32:05
